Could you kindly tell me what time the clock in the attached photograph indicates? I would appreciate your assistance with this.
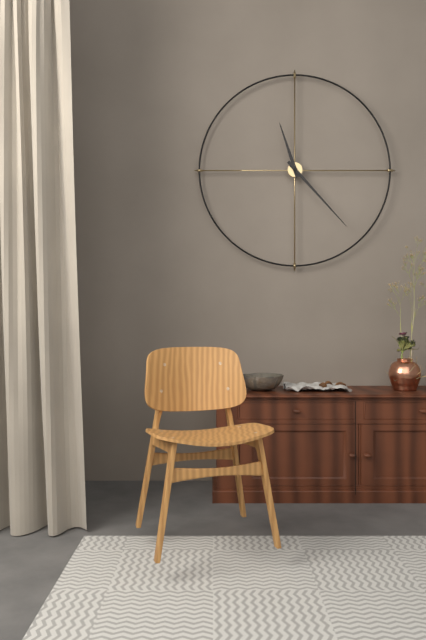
11:23
